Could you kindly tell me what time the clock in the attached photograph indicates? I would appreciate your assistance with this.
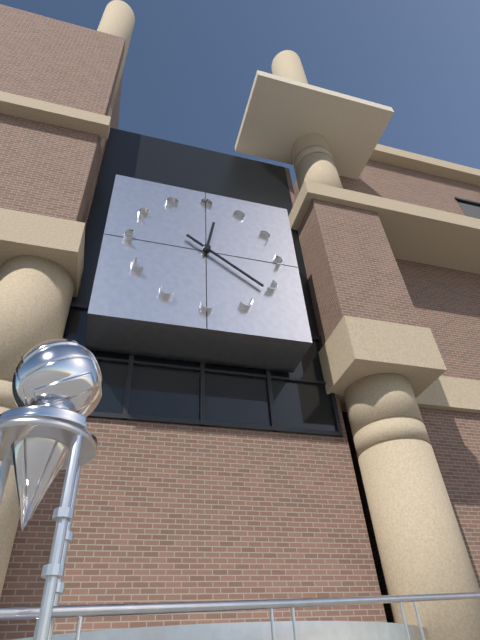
12:21
